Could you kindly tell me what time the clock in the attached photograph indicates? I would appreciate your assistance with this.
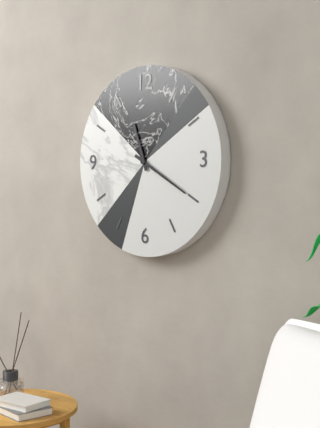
11:20
